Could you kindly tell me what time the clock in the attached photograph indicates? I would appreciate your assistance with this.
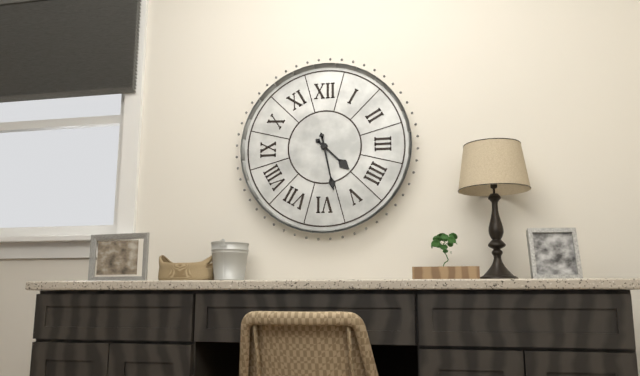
4:28
